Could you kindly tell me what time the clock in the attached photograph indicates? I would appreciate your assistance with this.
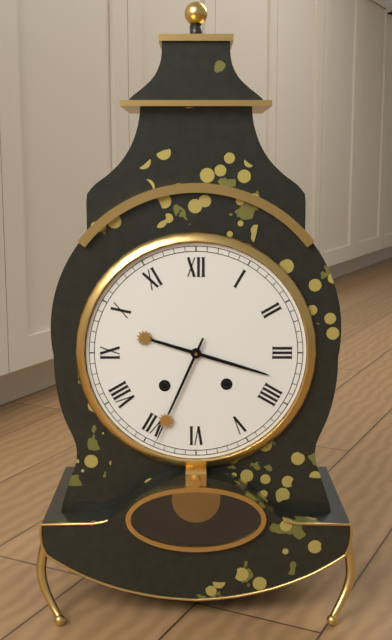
3:34
